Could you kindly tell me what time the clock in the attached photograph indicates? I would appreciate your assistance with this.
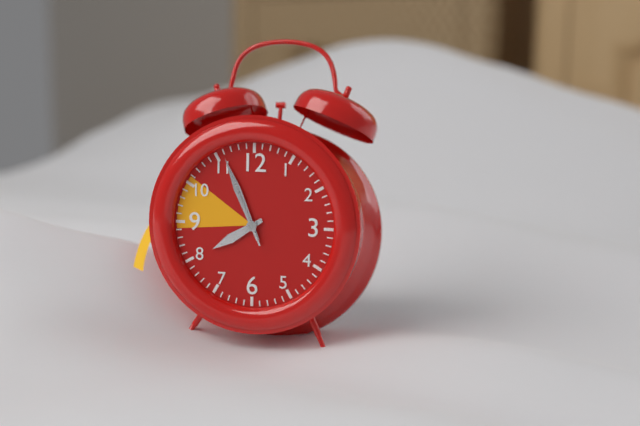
7:56:56
